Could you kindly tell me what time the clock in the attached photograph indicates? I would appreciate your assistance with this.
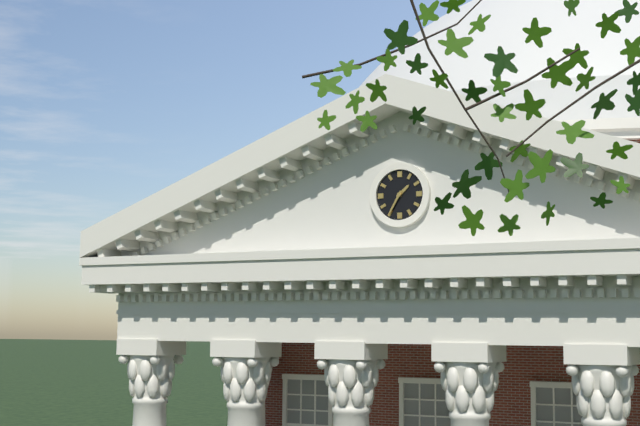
1:35
